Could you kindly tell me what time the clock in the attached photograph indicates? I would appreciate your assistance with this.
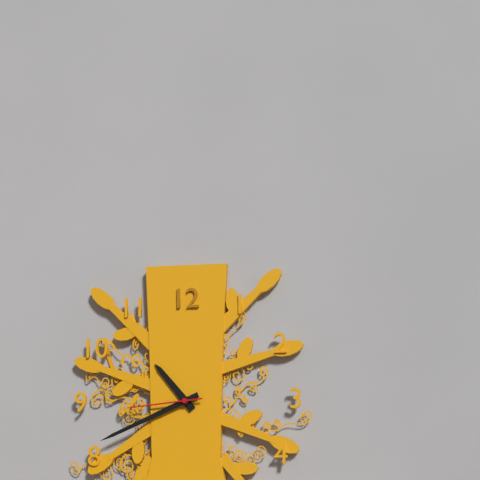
10:41:44
